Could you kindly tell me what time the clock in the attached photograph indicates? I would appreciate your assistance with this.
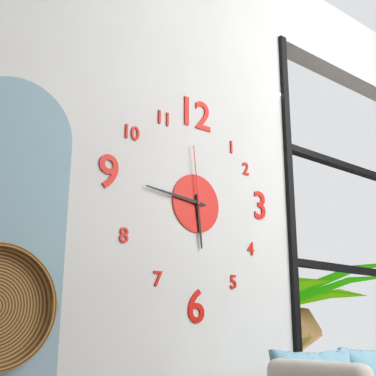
5:46:59
